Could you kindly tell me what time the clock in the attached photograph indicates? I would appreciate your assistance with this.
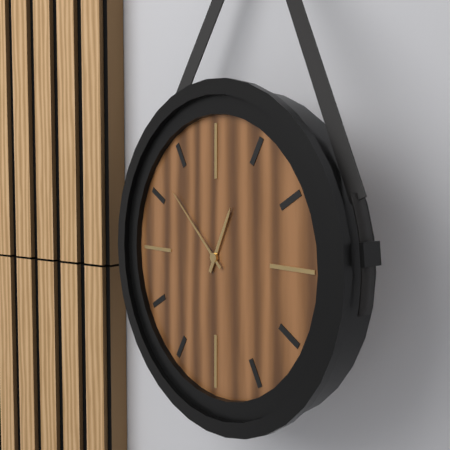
12:52
